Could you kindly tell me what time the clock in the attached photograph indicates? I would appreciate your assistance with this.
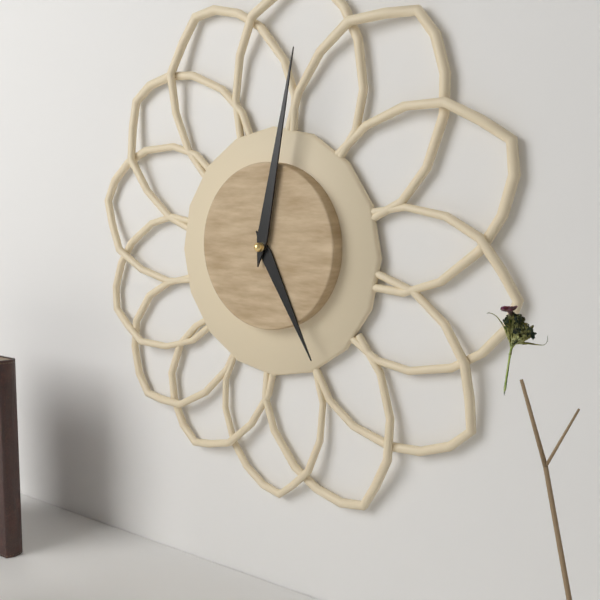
5:02
